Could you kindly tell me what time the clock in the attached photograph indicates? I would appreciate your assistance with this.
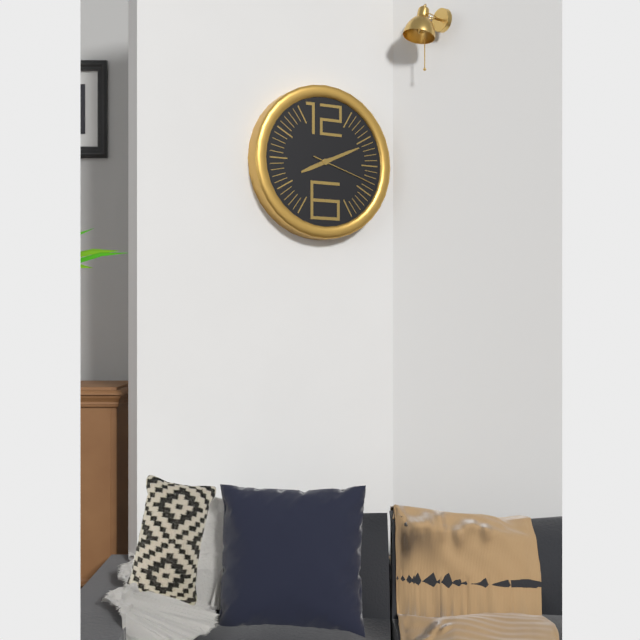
8:11:18
